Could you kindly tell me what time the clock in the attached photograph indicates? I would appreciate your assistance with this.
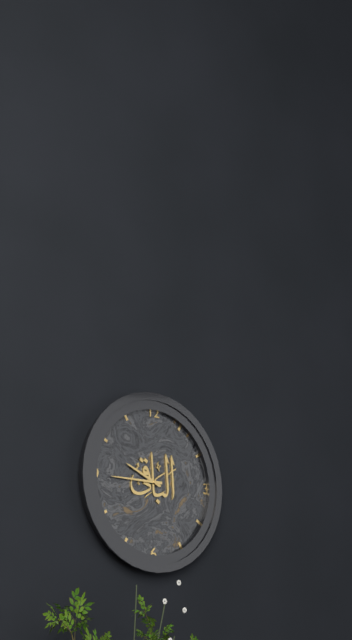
9:45
